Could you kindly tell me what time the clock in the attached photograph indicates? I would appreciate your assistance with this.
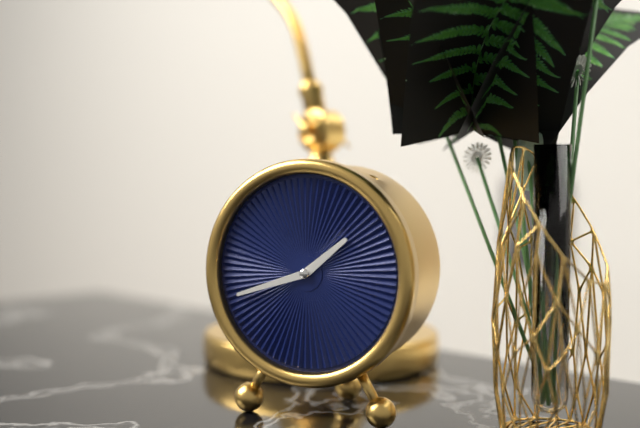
1:42
